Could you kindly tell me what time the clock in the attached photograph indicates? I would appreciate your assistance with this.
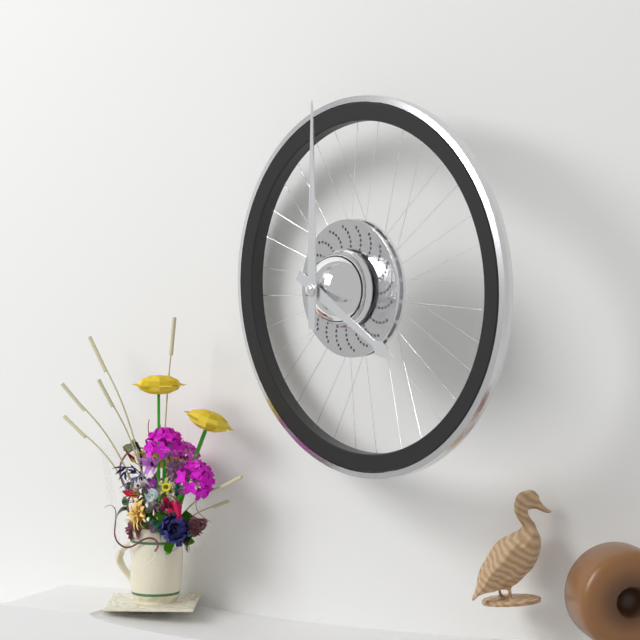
4:00
